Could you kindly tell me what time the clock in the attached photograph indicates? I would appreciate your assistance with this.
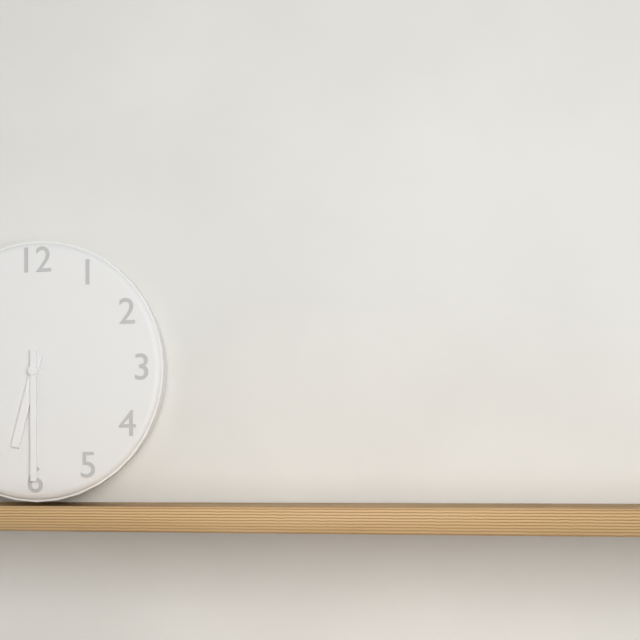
6:30
